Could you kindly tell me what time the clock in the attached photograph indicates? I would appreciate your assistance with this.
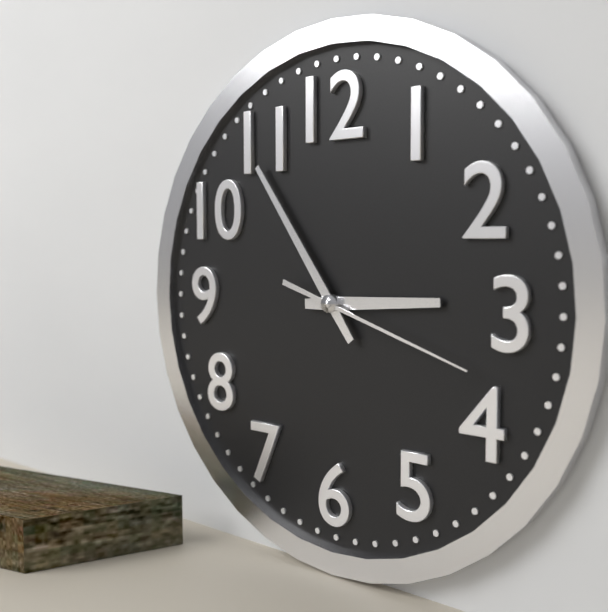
2:54:18
